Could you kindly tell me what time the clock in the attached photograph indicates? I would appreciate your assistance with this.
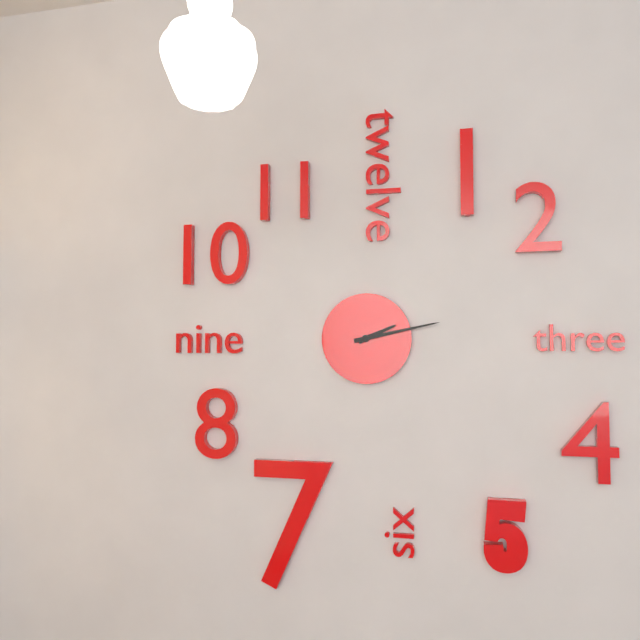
2:13
